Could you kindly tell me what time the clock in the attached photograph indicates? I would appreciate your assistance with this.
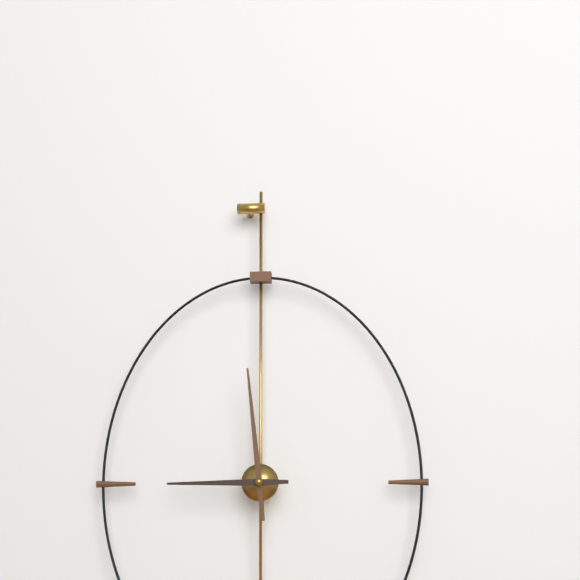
8:59
